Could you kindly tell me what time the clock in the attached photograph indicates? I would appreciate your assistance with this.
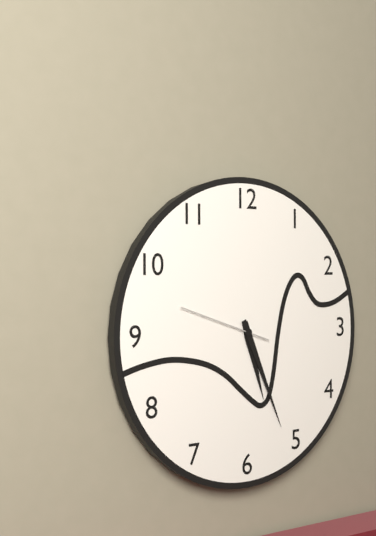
5:26:48
